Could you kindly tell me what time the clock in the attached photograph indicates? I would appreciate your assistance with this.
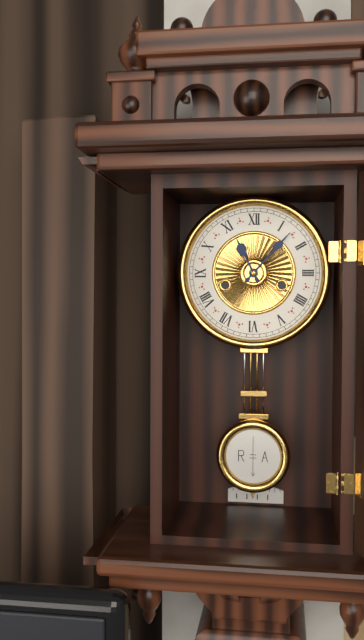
11:07
